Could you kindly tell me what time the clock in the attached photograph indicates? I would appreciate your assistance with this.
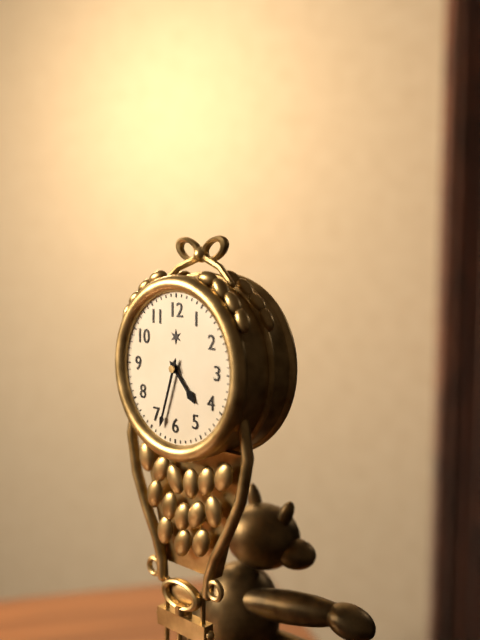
4:33
